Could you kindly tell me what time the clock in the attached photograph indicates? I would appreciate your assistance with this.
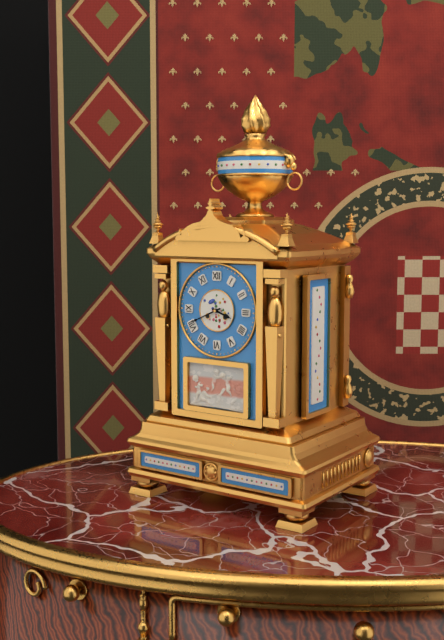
3:41
